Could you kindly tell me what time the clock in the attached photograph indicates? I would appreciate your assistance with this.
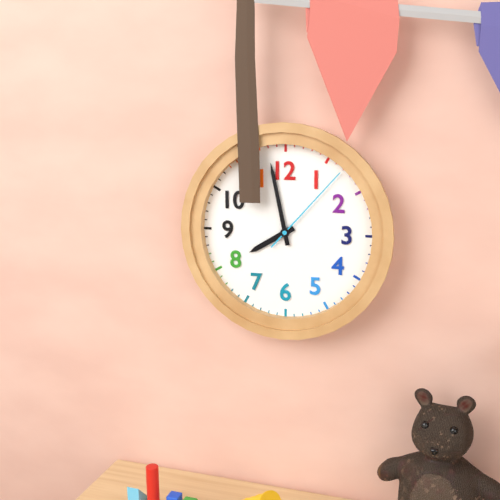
7:58:07
